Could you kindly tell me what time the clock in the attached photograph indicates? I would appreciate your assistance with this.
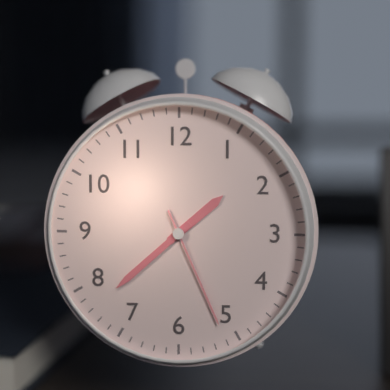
1:38:26
